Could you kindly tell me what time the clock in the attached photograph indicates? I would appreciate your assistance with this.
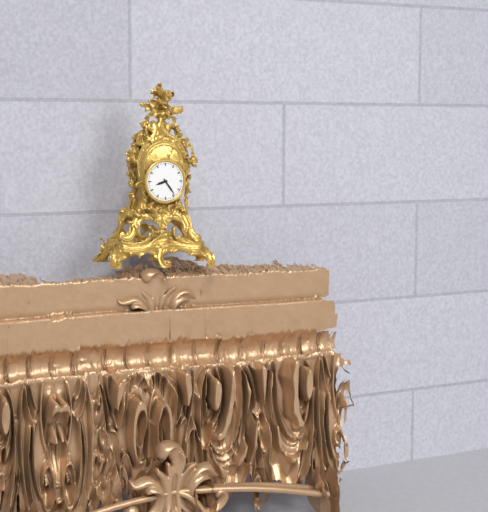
8:24
